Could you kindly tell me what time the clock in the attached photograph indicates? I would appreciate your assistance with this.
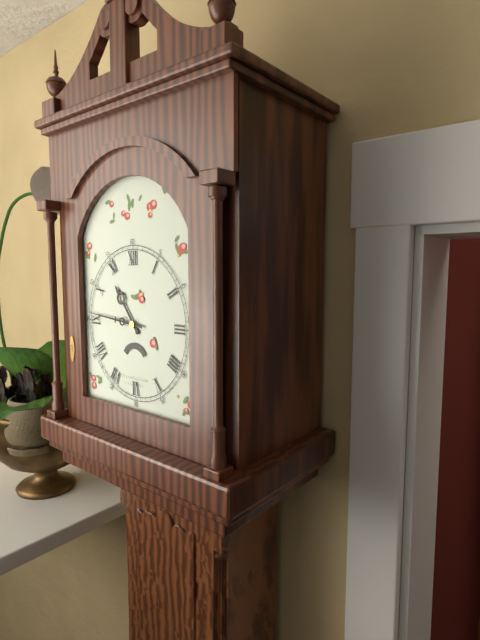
10:46
